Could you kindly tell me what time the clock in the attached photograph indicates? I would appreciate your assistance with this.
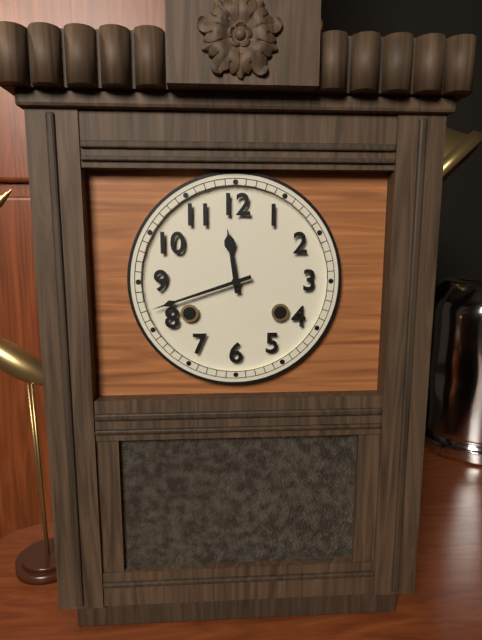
11:42
